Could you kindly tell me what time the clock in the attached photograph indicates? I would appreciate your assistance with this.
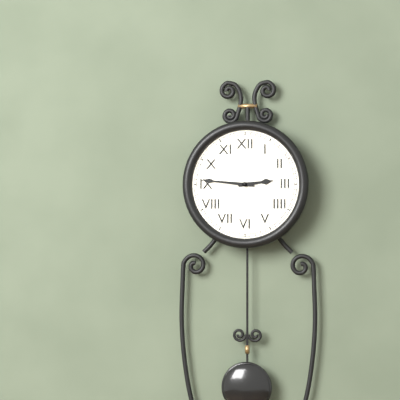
2:46
